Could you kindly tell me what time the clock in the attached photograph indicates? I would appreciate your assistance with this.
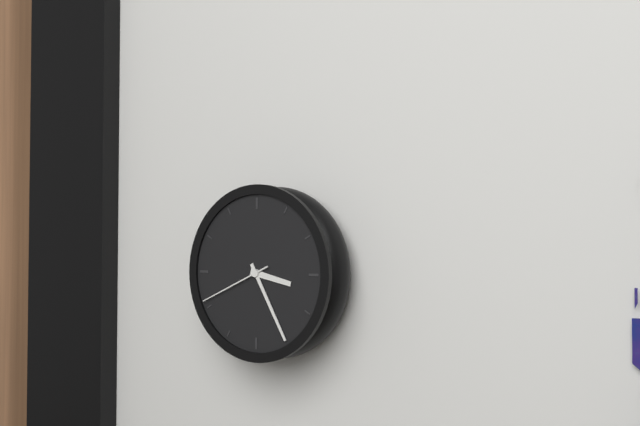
3:25:41
